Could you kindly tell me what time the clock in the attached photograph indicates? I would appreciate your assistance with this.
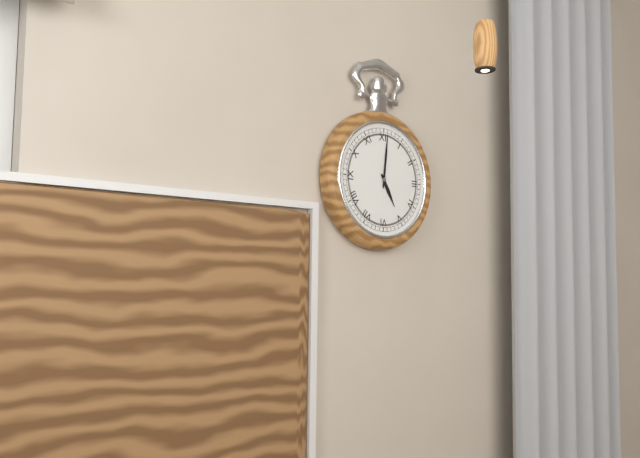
5:01
